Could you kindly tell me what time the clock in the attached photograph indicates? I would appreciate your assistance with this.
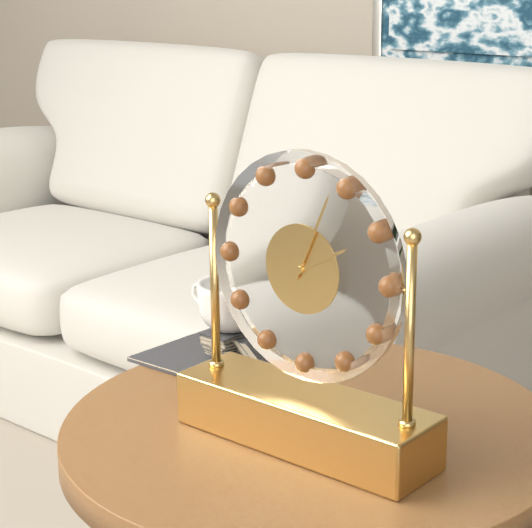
2:04
